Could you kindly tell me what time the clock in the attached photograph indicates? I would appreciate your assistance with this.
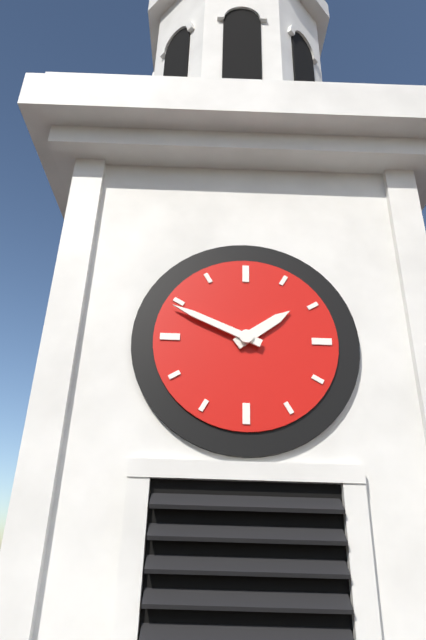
1:49
